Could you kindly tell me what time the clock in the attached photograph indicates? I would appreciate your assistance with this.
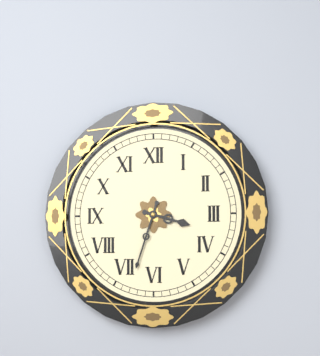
3:33
